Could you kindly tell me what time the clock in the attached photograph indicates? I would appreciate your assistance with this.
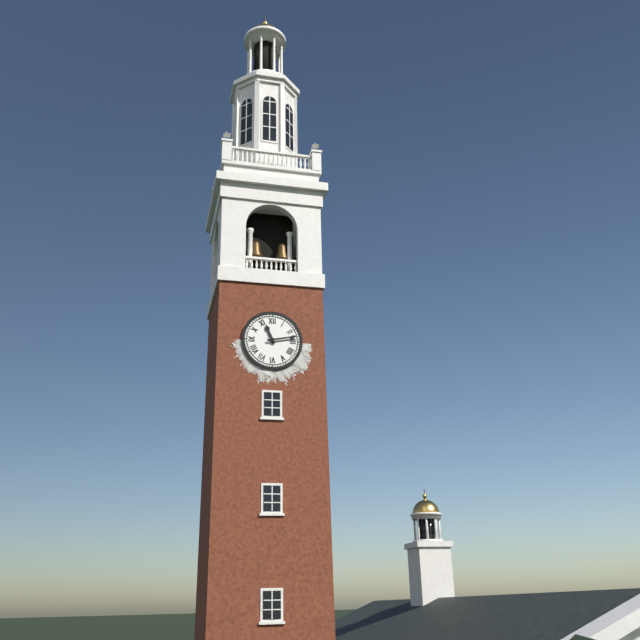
11:13
